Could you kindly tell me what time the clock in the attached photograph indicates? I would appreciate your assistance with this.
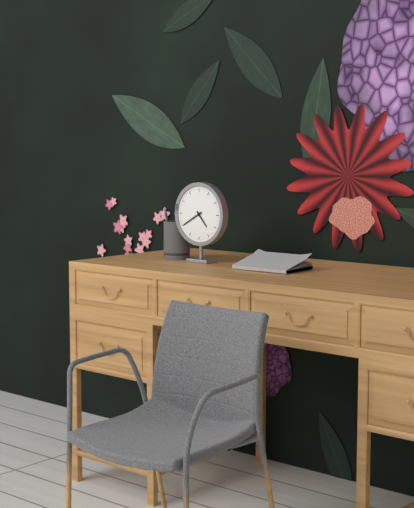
4:40
